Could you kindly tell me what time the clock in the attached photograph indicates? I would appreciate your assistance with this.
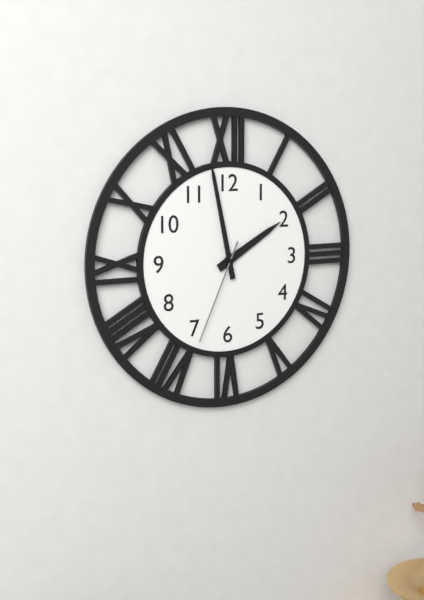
1:58:34
